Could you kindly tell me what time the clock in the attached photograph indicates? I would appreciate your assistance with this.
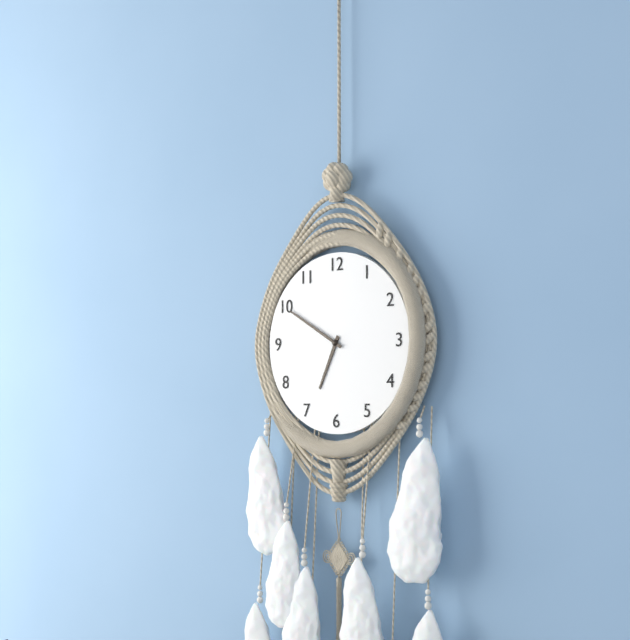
6:50
